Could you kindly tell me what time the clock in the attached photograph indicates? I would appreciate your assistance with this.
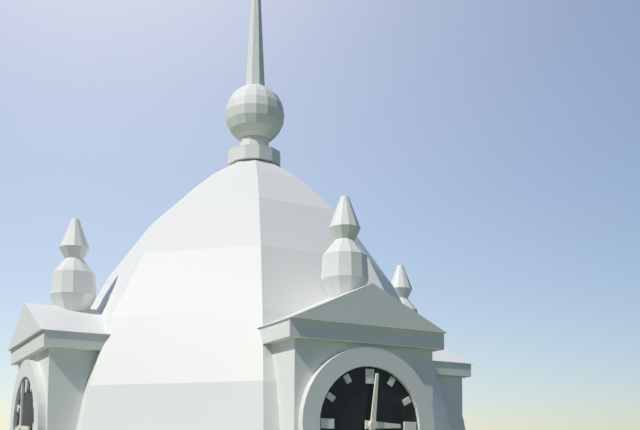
3:01
